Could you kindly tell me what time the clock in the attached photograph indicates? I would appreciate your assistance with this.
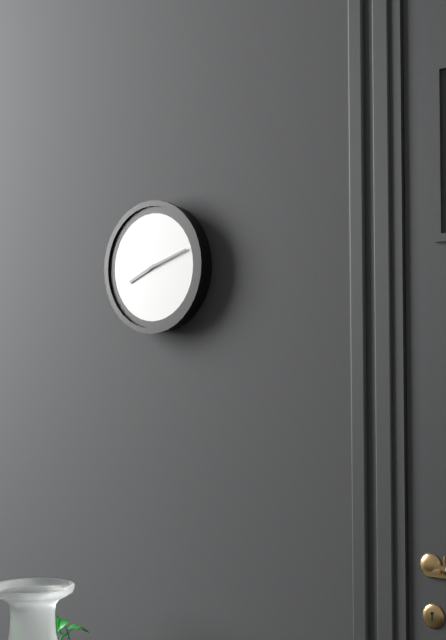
8:12
